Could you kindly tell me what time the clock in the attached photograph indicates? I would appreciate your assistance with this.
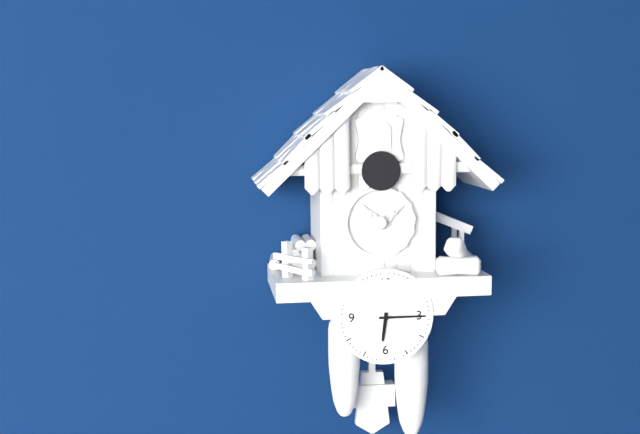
6:15
